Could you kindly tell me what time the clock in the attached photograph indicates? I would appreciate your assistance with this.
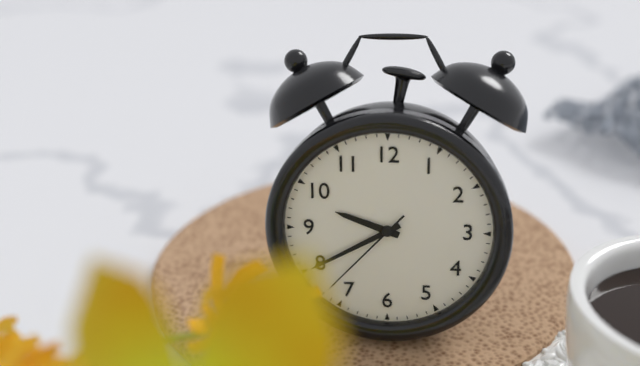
9:40:37
